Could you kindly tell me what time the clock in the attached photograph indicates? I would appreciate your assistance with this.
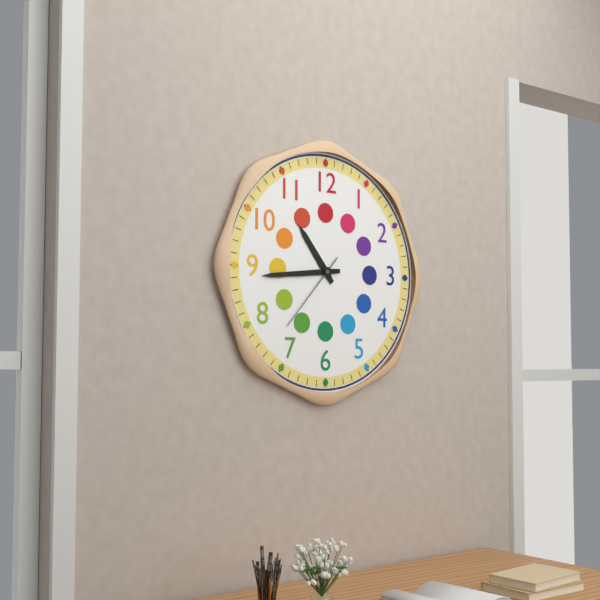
10:44:37
